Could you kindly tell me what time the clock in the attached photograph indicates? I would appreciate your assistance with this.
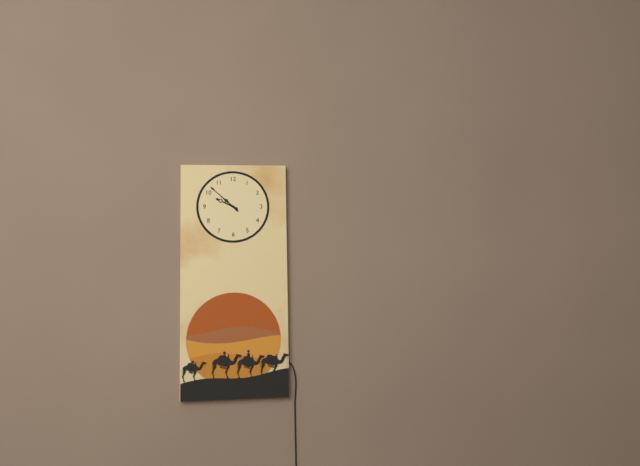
9:52
